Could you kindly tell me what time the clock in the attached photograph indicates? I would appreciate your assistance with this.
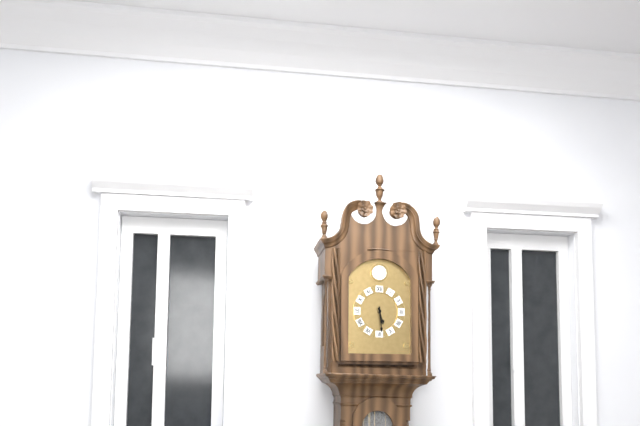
5:29
